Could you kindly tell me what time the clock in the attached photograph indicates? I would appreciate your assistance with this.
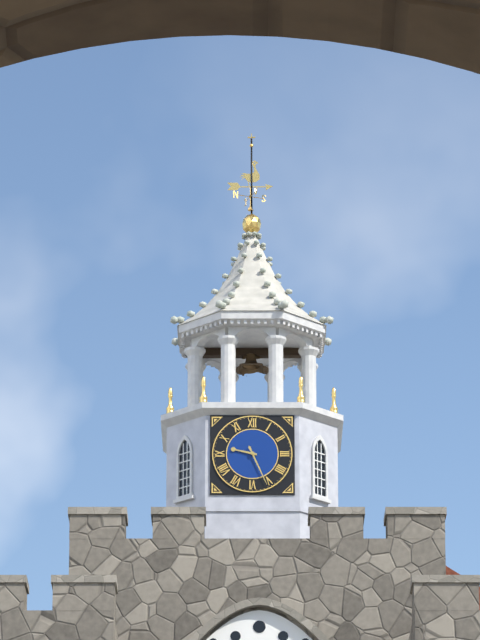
9:26
